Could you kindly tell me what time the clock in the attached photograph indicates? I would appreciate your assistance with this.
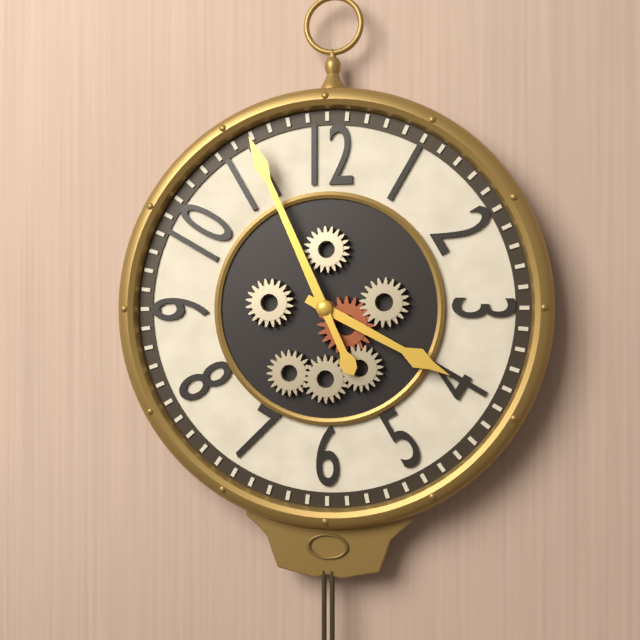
3:56
